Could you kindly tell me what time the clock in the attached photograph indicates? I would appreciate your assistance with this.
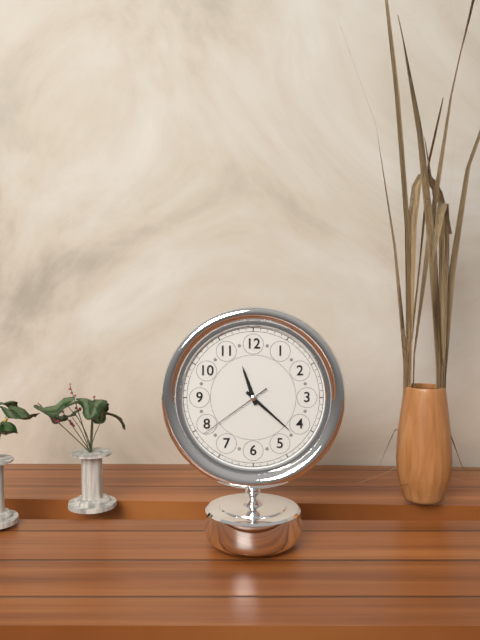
11:22:39
